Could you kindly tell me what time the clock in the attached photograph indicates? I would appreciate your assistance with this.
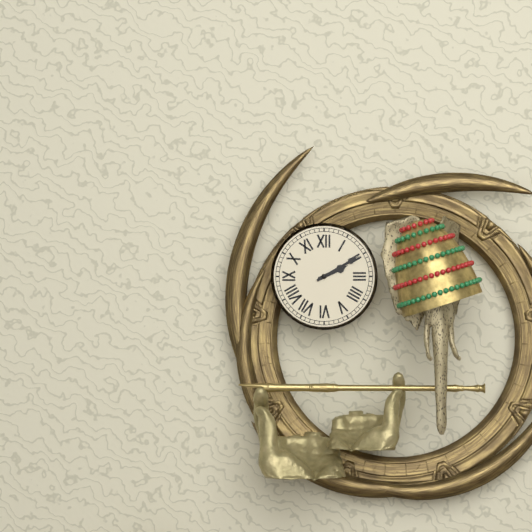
2:10
